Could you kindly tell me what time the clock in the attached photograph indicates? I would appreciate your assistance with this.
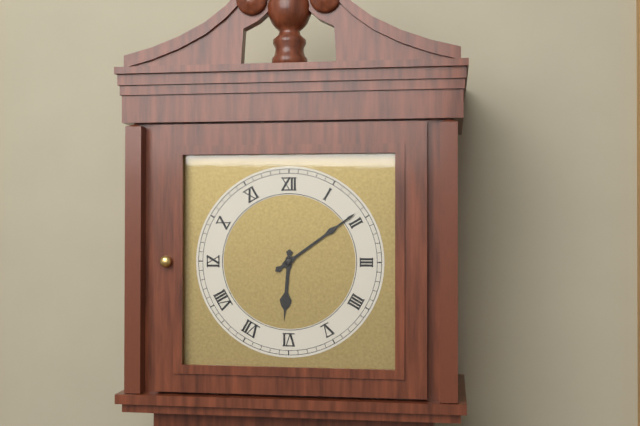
6:09
